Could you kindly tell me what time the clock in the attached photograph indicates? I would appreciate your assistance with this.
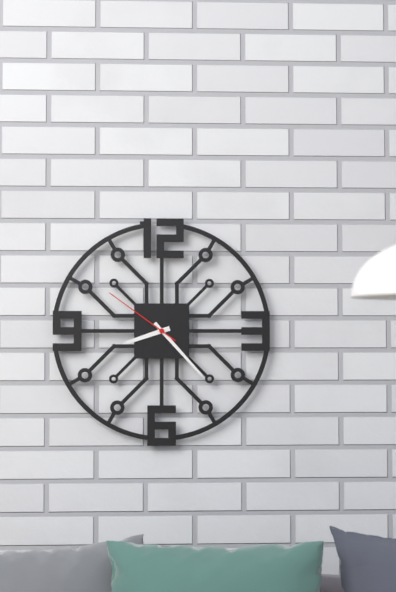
8:23:51
